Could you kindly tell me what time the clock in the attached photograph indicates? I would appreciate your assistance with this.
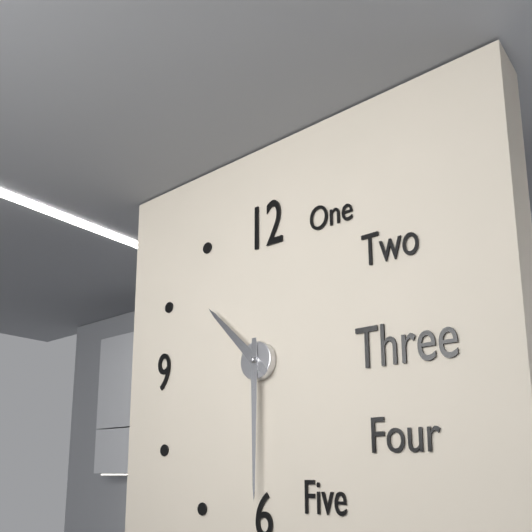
10:30
